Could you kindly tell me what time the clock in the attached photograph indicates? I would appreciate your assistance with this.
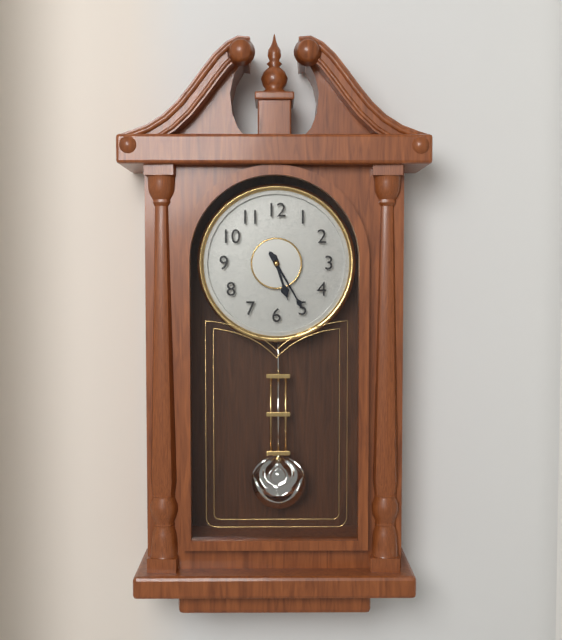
5:25
